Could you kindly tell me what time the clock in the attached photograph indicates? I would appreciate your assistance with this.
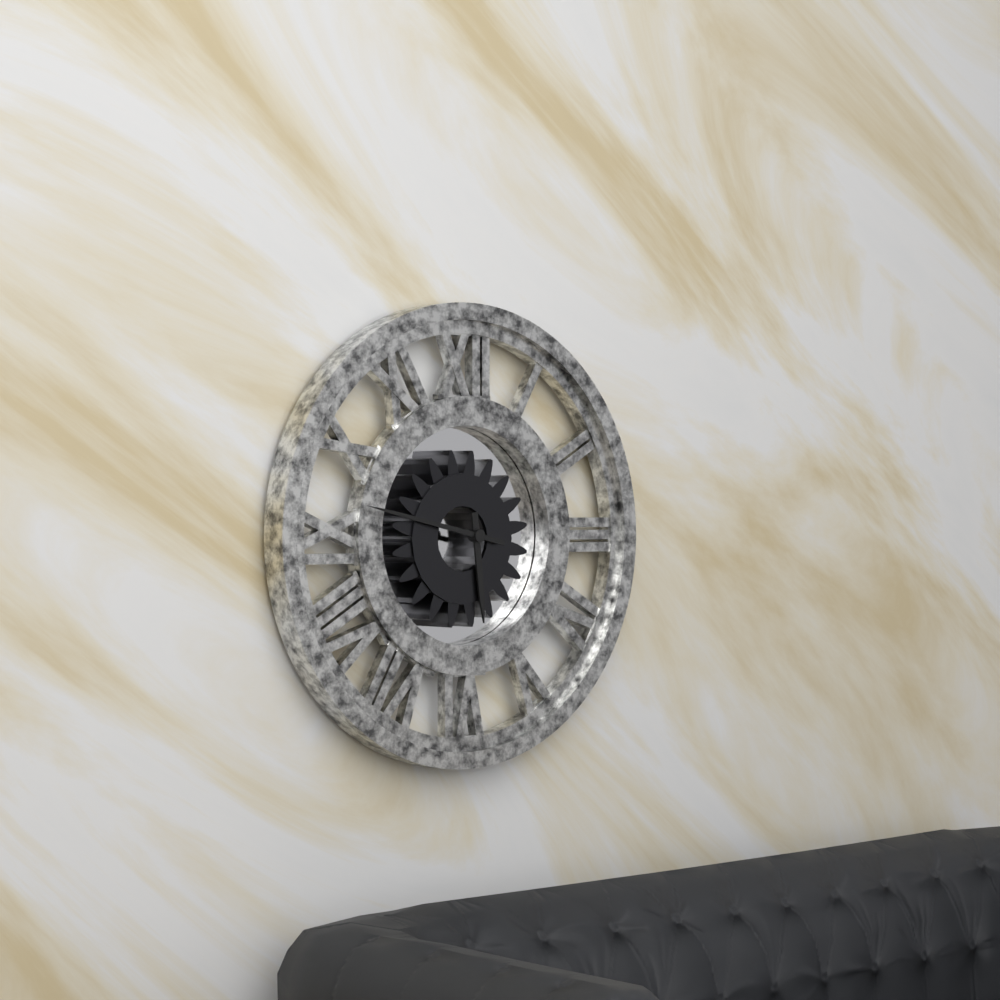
5:47
